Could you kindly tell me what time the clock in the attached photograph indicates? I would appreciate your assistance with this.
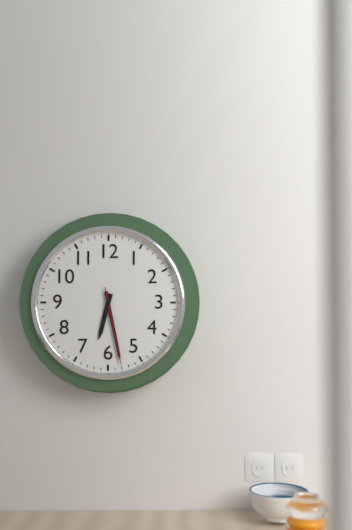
6:28:28
